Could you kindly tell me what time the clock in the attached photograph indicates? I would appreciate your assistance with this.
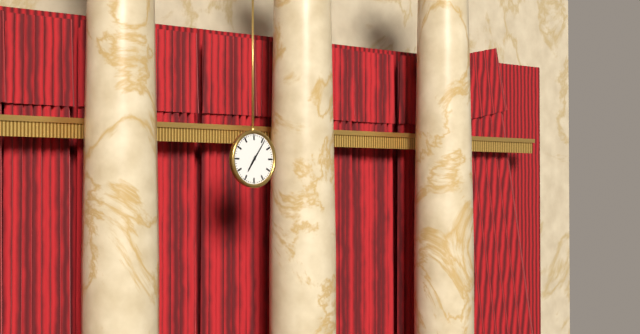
7:06
